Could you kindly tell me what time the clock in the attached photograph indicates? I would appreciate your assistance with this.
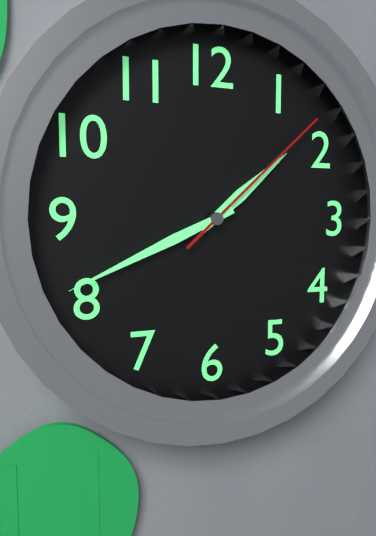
1:41:08
